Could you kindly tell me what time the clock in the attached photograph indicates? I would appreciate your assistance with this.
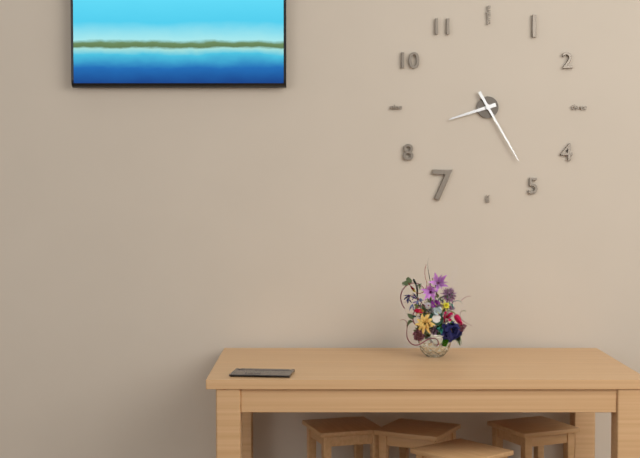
8:25
